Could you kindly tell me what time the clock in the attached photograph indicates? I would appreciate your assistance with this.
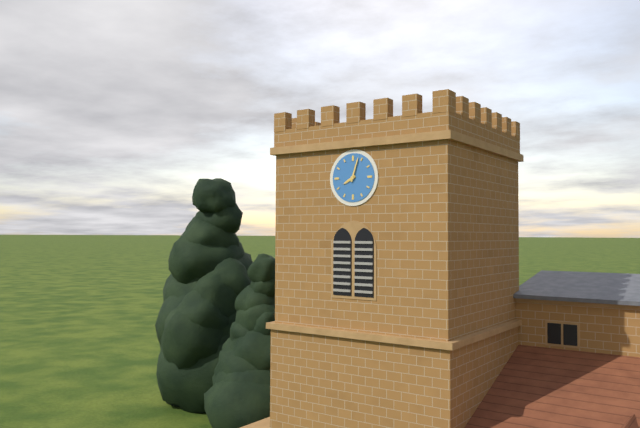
8:03
